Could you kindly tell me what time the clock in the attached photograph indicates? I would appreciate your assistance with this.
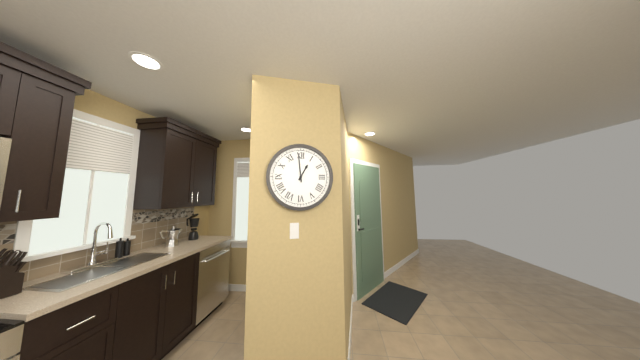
12:59
